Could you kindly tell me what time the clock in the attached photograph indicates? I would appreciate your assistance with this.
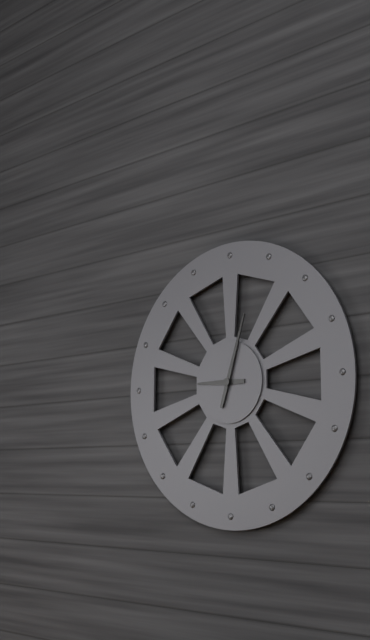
9:03
